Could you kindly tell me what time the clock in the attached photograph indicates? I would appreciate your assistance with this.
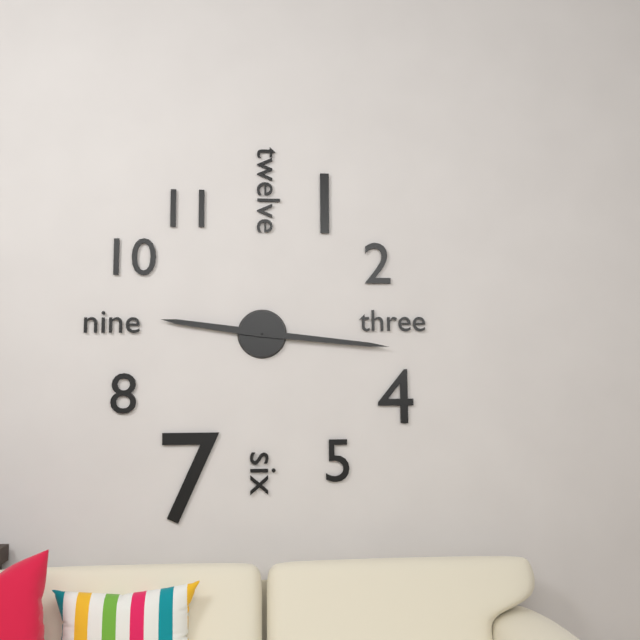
9:16
